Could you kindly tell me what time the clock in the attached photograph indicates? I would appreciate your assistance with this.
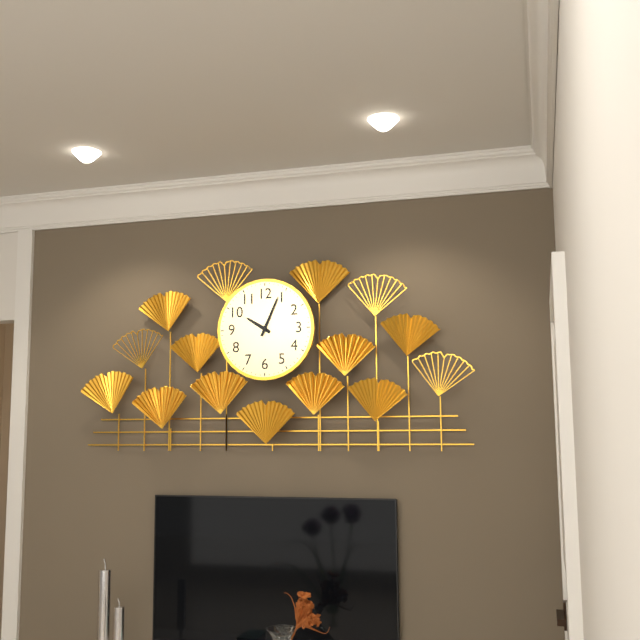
10:04
